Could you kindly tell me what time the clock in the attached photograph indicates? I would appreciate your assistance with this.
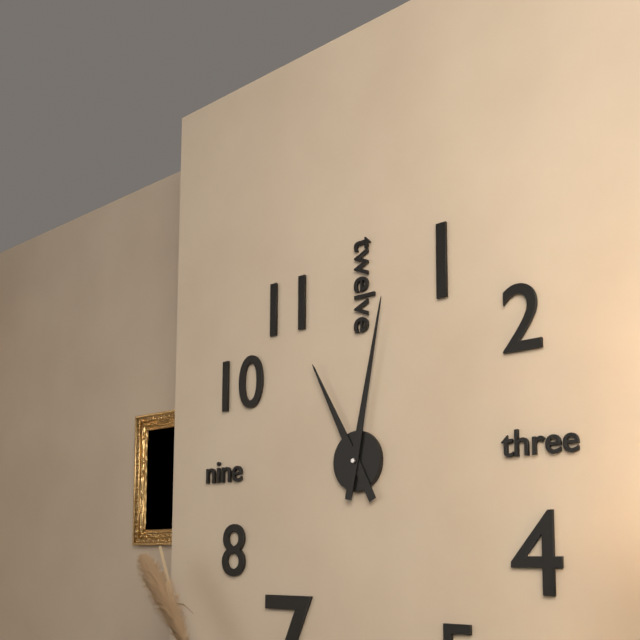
11:02
